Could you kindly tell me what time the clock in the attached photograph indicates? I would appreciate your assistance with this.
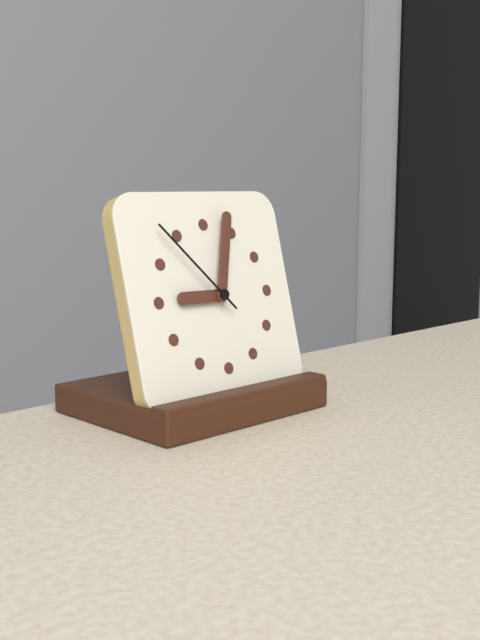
9:03:53
